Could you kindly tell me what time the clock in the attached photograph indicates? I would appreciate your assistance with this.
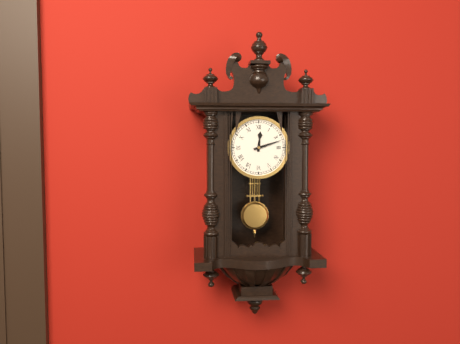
12:12
